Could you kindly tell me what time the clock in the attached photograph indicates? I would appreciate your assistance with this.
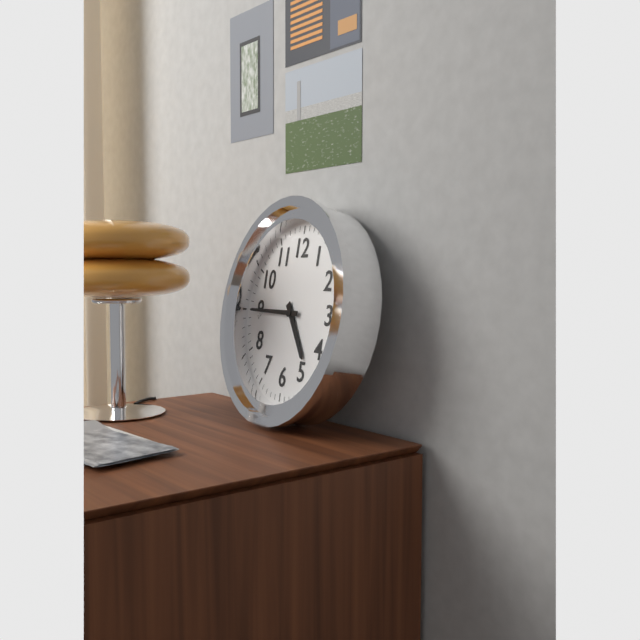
4:45
